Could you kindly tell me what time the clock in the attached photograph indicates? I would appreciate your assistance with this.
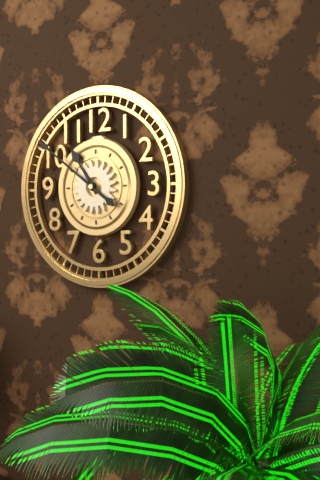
10:51
